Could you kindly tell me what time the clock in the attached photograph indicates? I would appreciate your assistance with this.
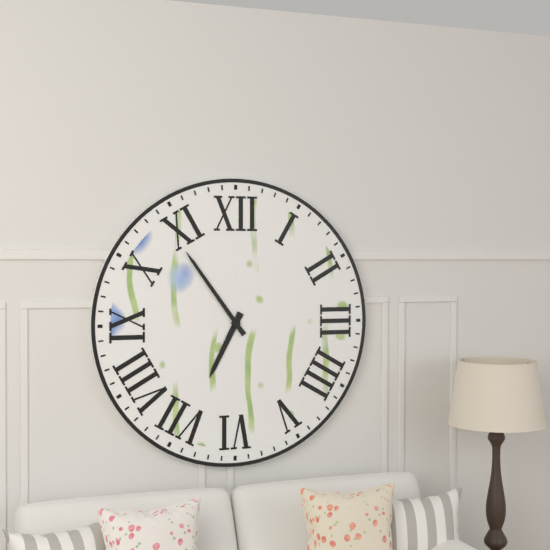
6:54
